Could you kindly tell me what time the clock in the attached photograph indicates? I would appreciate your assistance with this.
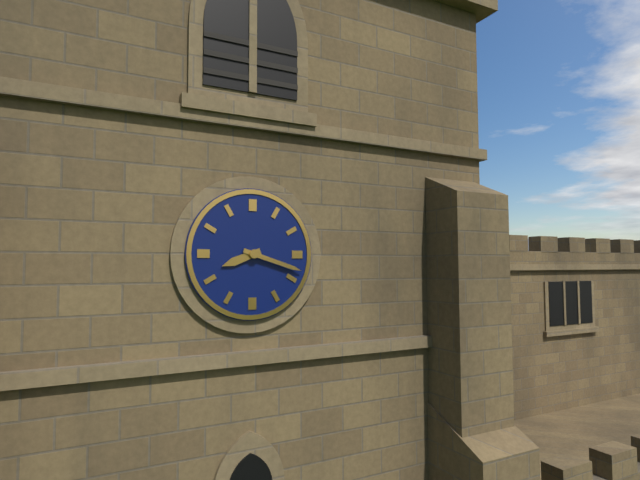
8:18
